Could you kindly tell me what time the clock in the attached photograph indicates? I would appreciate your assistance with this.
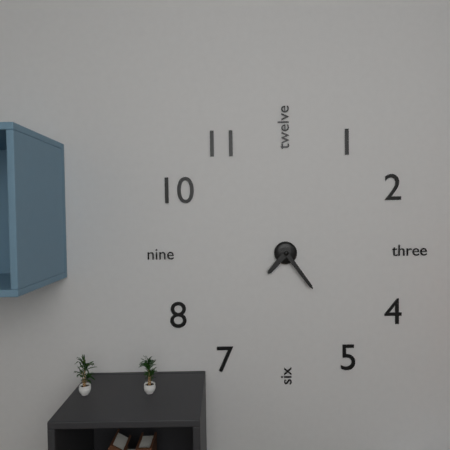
7:24
